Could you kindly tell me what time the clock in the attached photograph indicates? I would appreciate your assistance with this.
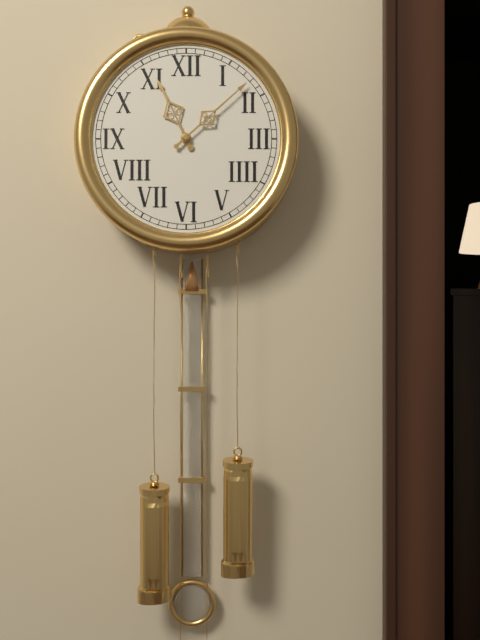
11:08
